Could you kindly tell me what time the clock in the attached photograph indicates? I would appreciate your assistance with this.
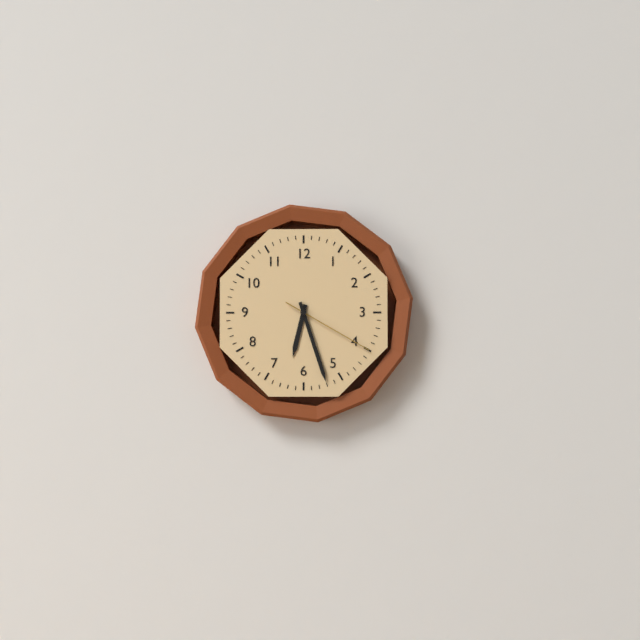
6:27:20
